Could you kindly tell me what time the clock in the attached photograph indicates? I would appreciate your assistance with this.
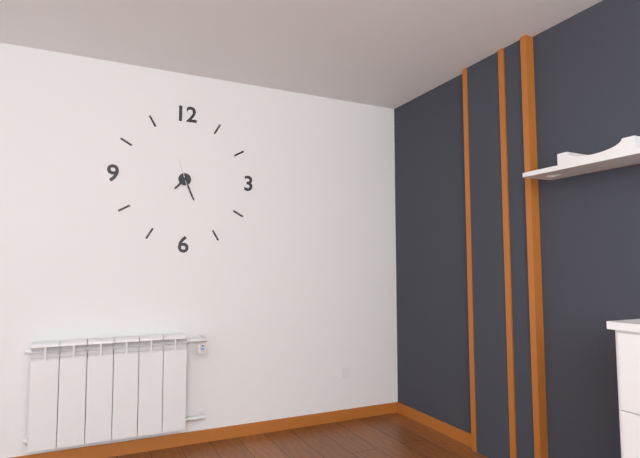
7:26
